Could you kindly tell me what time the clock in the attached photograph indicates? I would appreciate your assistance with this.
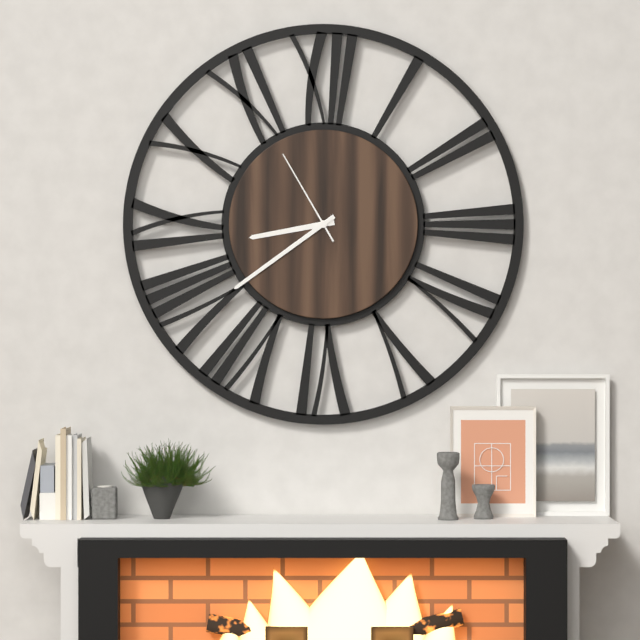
8:39:55
